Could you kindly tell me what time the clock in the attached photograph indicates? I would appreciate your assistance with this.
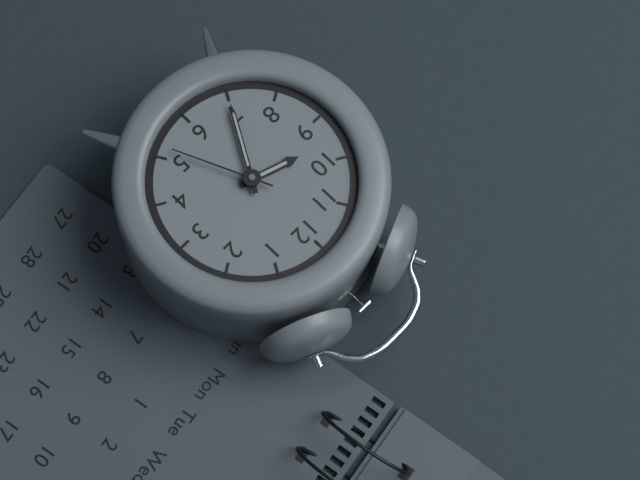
9:35:26
